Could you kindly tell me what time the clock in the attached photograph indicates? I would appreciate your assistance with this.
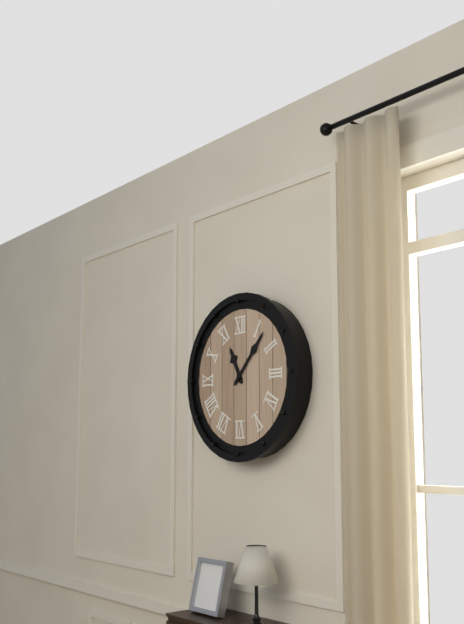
11:07
